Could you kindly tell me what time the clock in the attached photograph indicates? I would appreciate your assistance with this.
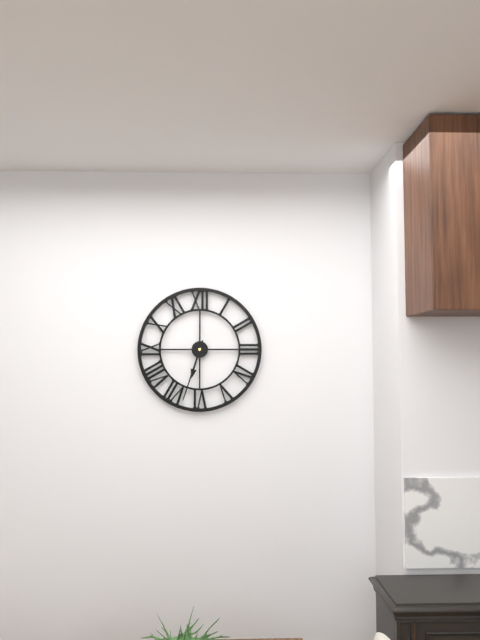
6:33
